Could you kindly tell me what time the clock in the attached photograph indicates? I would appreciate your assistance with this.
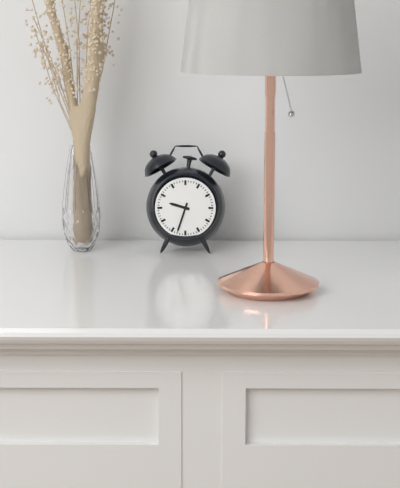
9:33
